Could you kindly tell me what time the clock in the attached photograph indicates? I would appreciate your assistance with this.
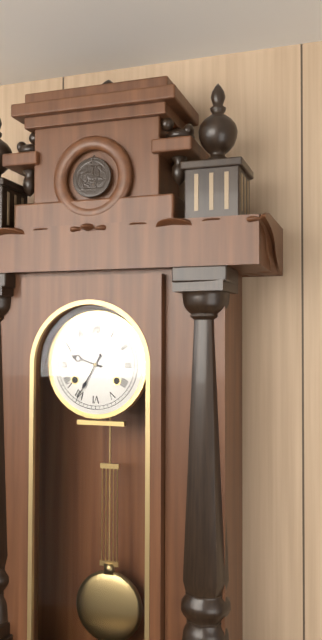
9:35
